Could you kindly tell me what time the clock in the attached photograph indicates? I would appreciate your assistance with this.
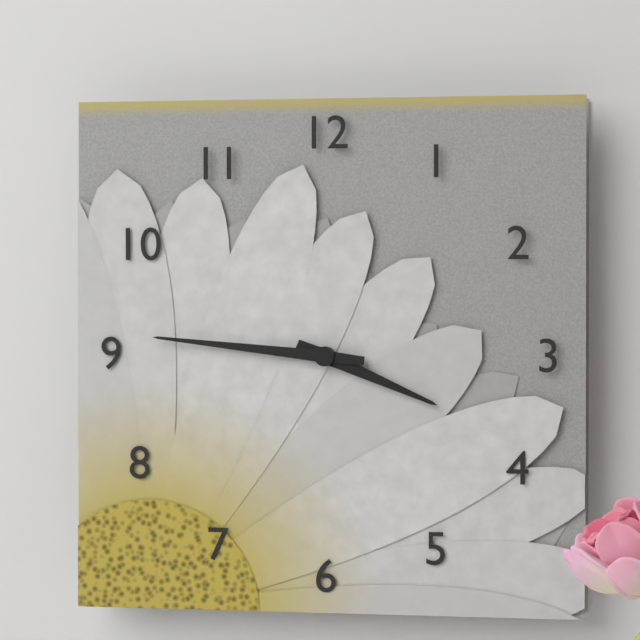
3:46
